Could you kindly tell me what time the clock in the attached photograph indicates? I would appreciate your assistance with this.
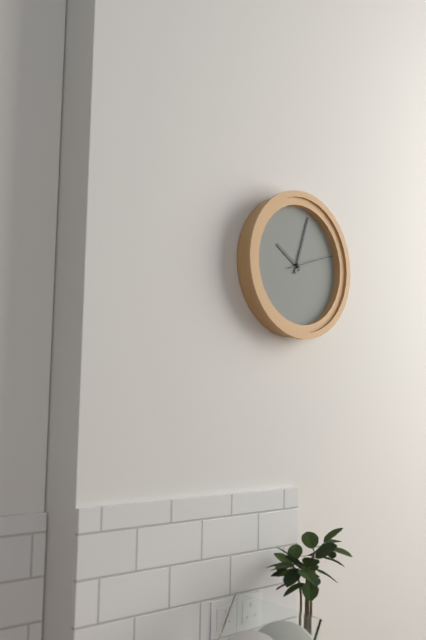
10:03
